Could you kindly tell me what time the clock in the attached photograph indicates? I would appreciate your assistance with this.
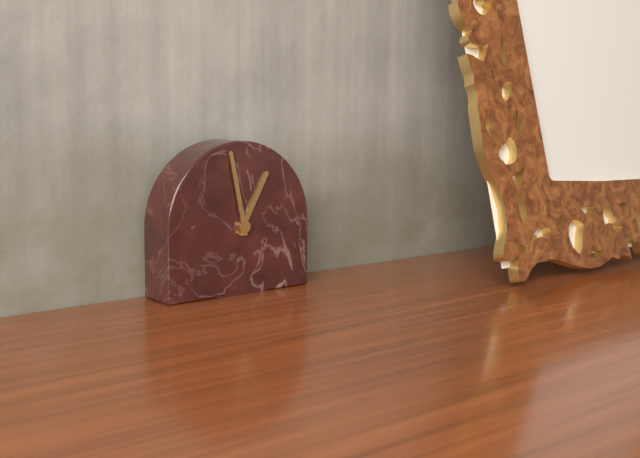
12:58
